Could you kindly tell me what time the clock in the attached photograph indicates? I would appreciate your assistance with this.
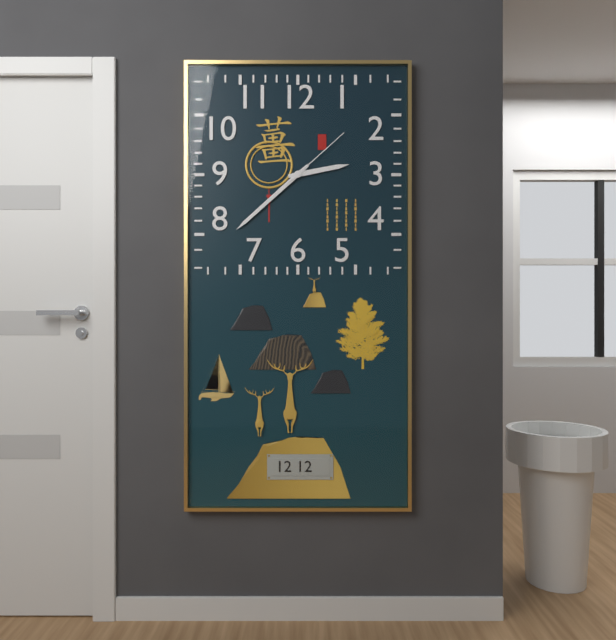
2:38:08
